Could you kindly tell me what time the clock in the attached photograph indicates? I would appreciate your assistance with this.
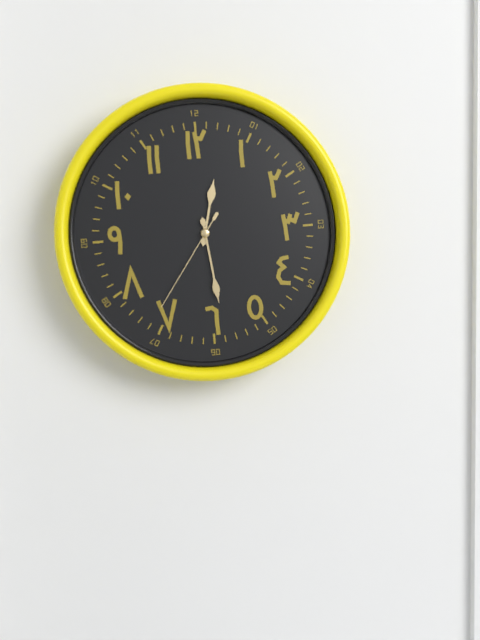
12:29:36
